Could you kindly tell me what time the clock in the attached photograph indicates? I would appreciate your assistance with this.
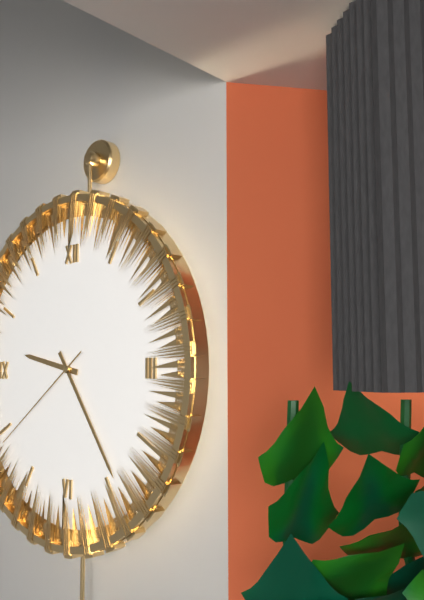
9:24:39
